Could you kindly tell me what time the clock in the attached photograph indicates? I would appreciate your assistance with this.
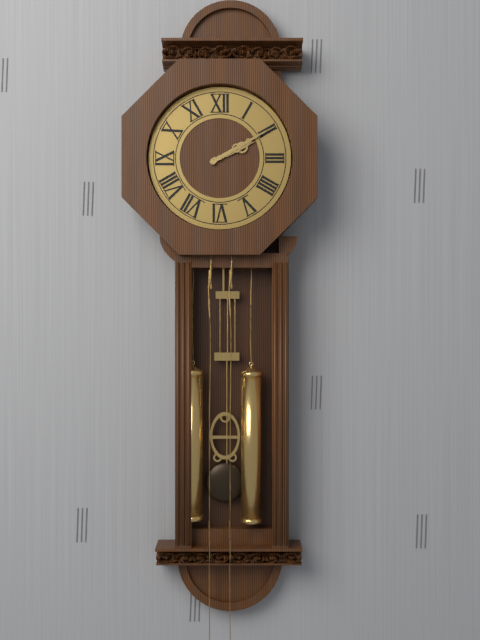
2:10
